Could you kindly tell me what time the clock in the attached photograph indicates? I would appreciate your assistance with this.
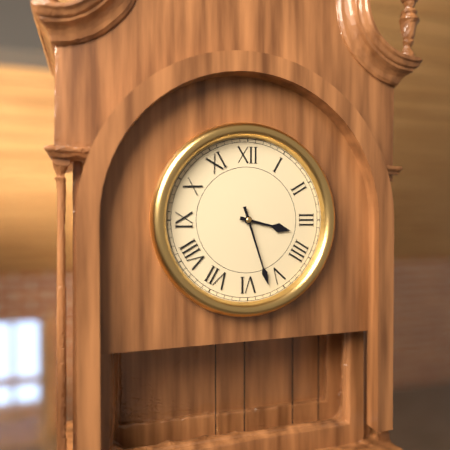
3:27
